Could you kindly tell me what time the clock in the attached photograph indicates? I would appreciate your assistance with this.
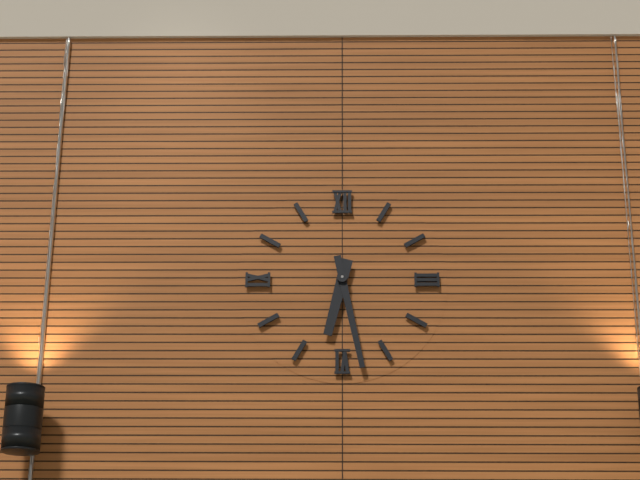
6:28
